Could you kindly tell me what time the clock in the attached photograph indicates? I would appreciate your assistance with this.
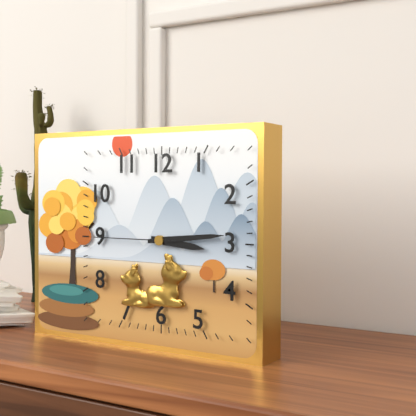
3:14:45
